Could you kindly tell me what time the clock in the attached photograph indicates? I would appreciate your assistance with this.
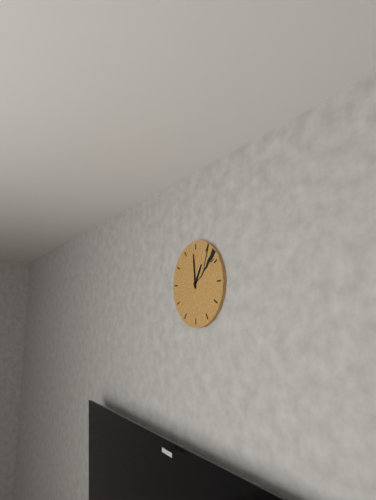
12:59
